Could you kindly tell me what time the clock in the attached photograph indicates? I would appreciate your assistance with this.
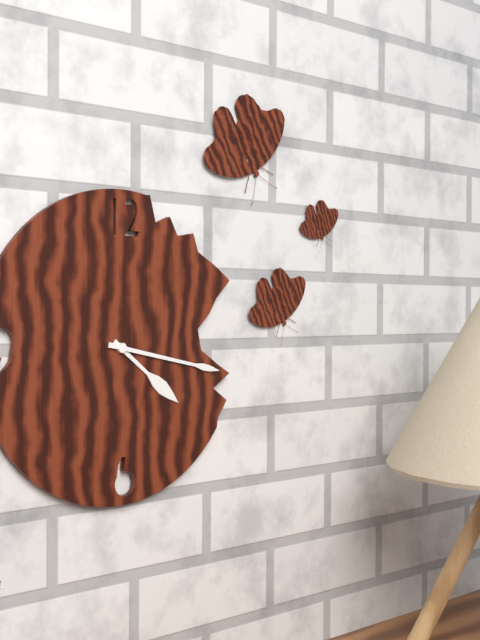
4:17
